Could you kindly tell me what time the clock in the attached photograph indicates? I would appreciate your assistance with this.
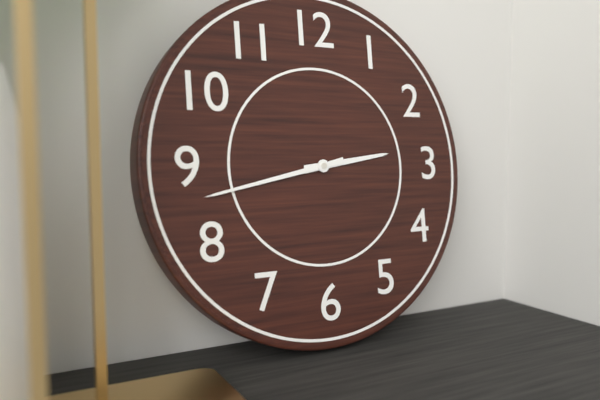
2:43
